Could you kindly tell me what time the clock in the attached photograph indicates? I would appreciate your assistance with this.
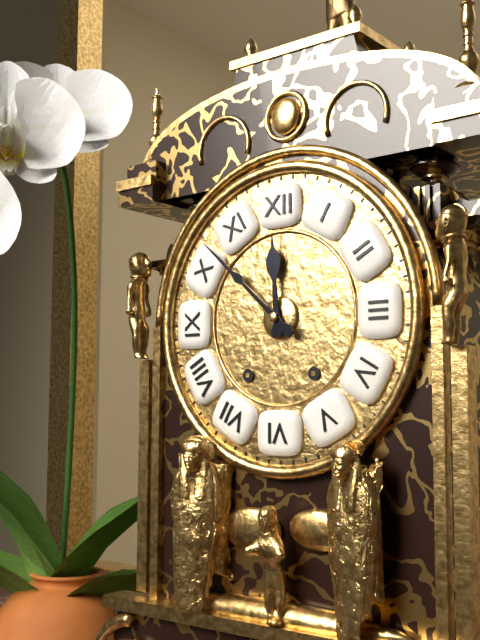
11:52
